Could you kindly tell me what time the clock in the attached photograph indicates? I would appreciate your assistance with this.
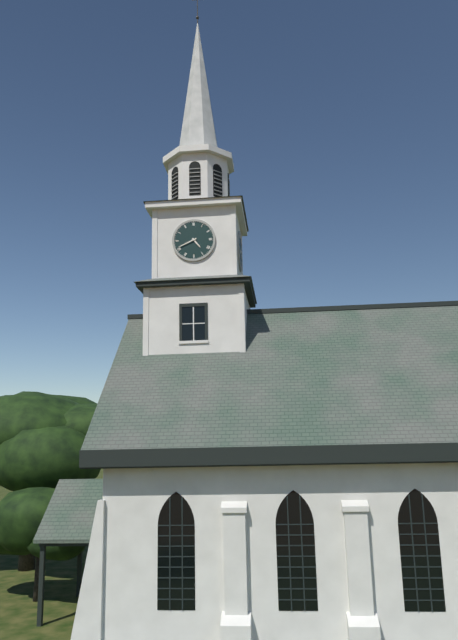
4:41
